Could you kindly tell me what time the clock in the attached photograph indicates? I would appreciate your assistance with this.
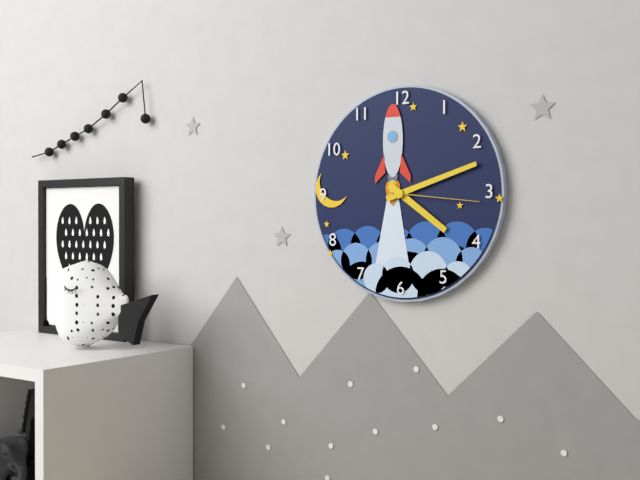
4:12:16
